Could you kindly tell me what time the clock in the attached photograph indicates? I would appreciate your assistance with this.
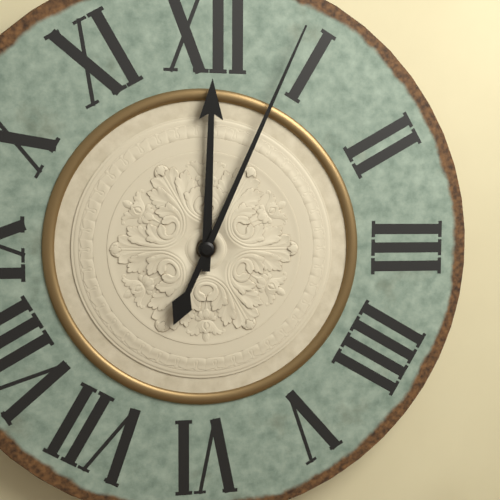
12:04
